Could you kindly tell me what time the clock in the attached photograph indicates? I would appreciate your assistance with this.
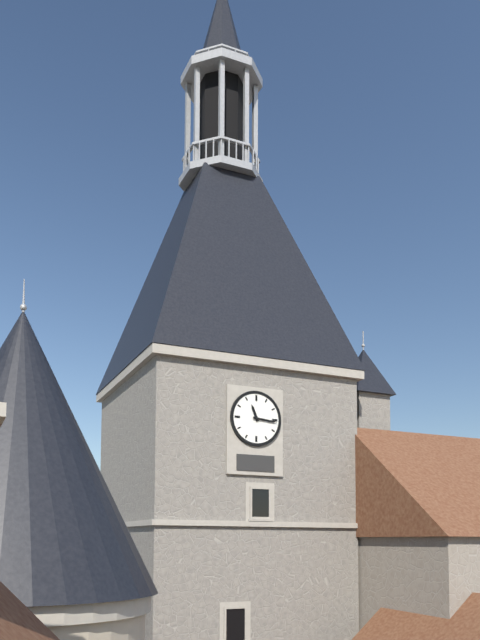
11:16
